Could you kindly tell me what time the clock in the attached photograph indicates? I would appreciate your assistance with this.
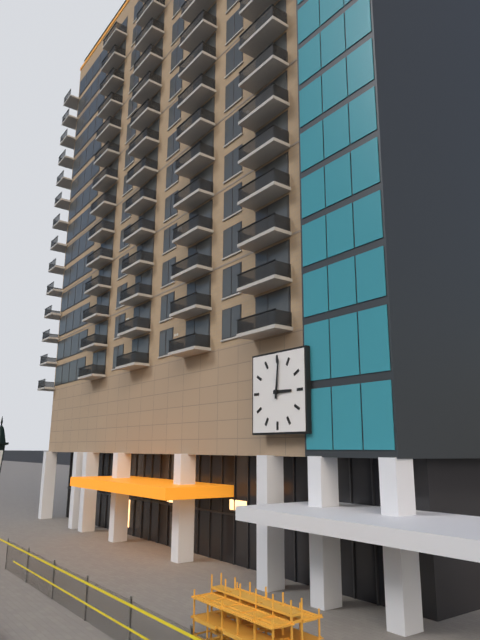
3:01
